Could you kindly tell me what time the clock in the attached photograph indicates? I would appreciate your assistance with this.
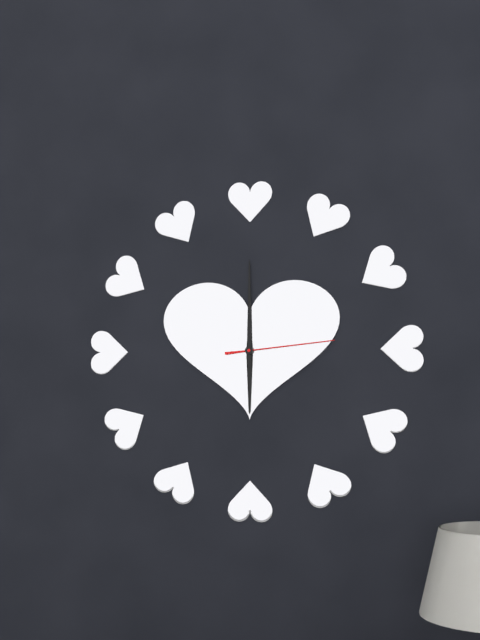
6:00:14
